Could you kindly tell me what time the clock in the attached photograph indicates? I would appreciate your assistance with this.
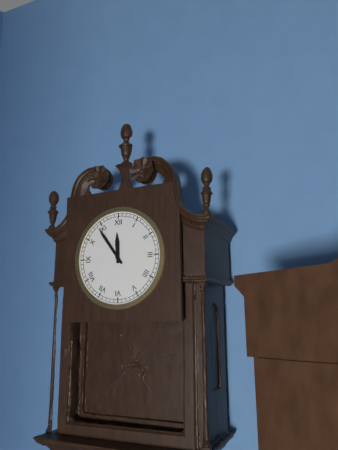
11:54
